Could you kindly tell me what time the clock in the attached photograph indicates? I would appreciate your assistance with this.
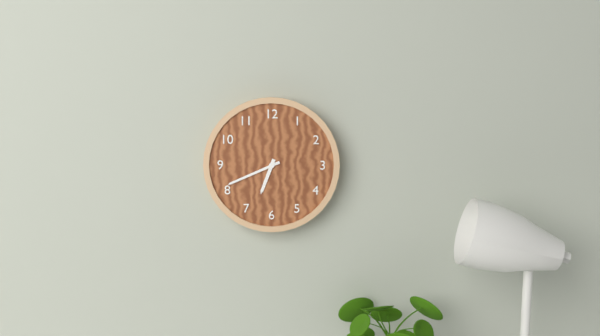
6:41
